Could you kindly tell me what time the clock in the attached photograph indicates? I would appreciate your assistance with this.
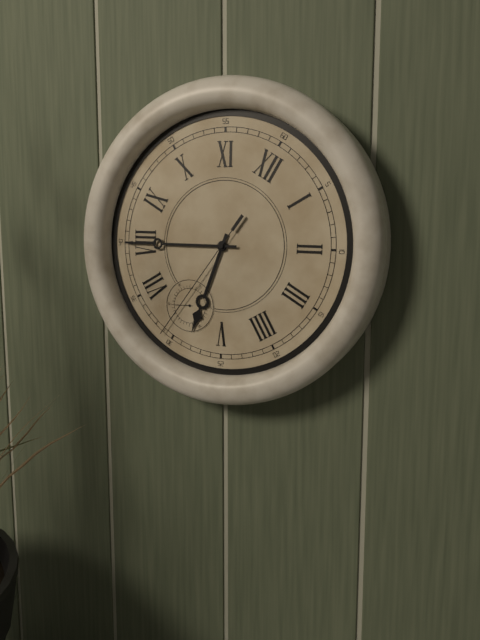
5:40:31
